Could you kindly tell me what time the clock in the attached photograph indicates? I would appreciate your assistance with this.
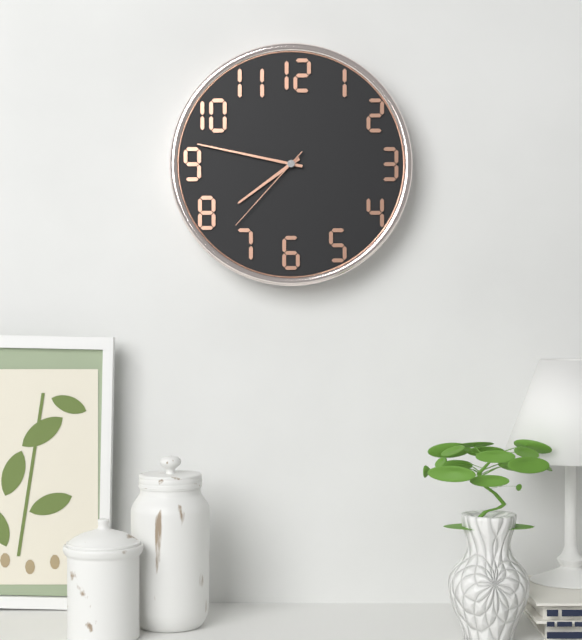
7:47:37
